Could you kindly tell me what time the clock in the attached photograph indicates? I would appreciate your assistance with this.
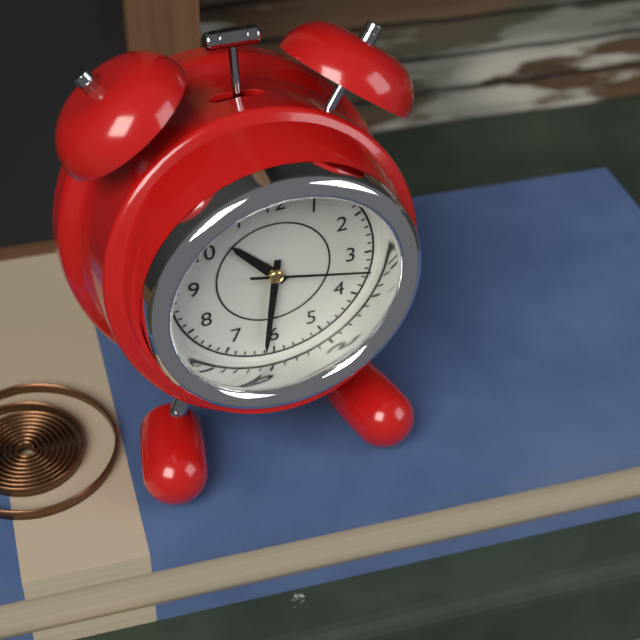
10:31:17
